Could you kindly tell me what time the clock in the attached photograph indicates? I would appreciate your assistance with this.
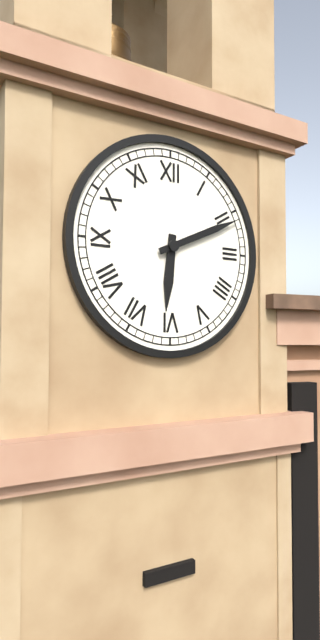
6:11
